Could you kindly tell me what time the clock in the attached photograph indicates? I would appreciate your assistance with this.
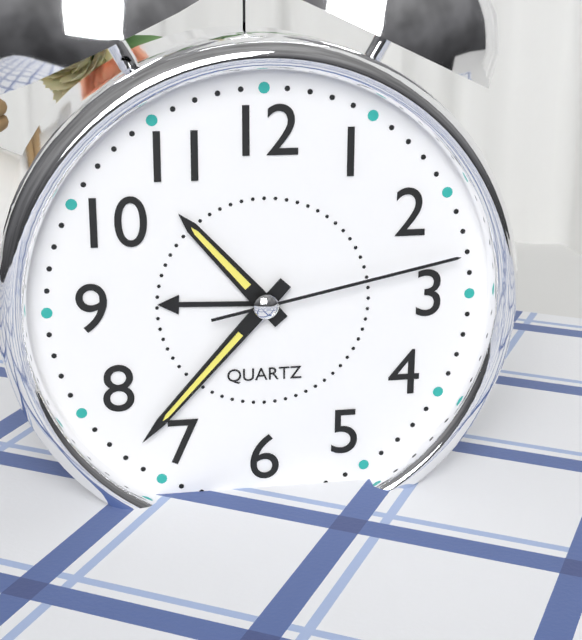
10:37:13
